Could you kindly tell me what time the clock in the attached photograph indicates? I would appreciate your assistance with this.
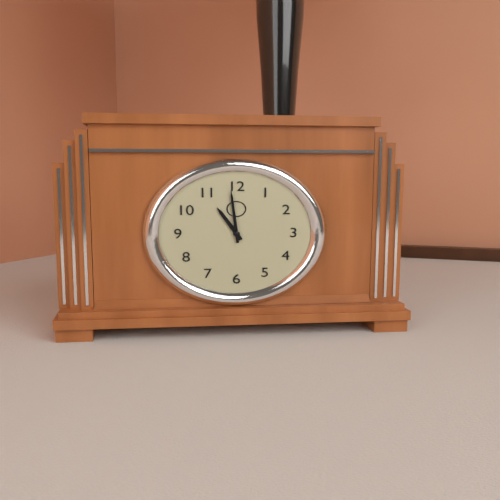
10:59
